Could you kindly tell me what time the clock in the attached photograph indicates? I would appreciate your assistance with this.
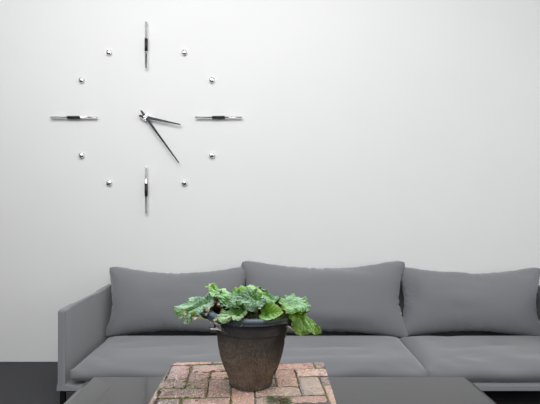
3:24
